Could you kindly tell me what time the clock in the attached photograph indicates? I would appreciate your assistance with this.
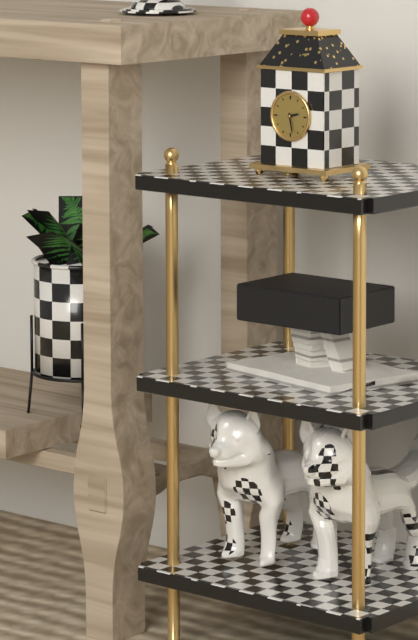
2:28
